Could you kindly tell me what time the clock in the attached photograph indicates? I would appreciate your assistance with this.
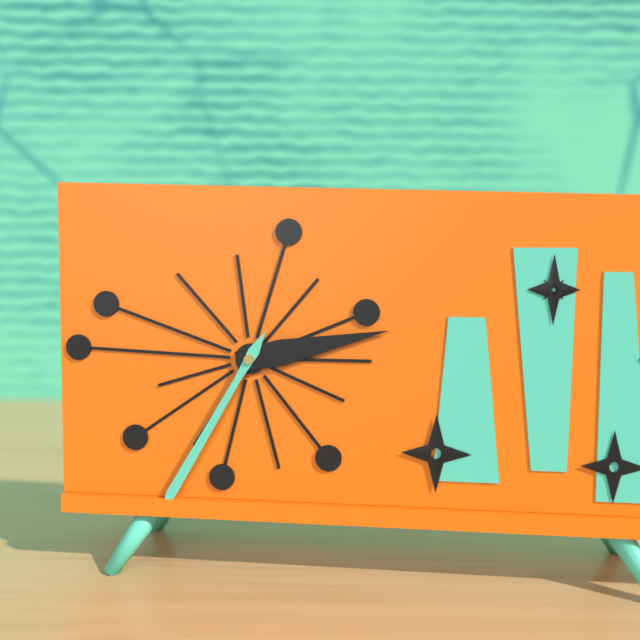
2:35
